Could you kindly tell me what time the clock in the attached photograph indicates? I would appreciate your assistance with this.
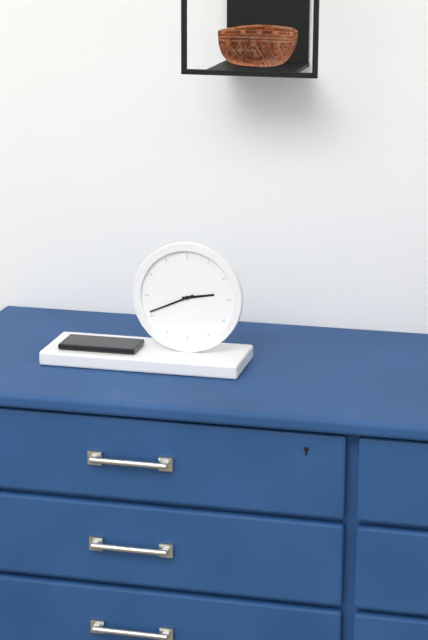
2:41
